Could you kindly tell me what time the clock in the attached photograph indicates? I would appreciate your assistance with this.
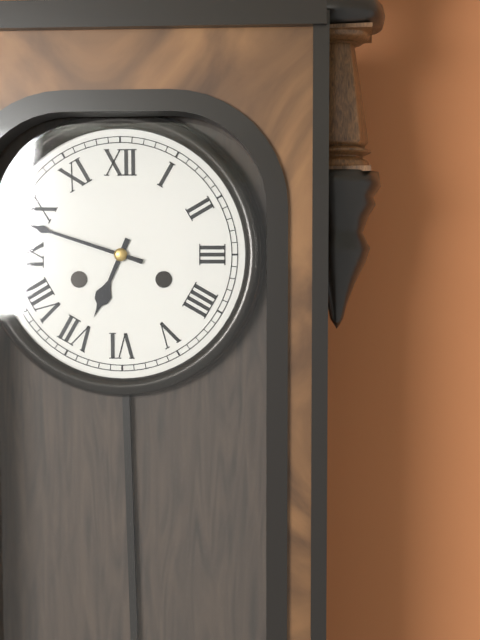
6:48
